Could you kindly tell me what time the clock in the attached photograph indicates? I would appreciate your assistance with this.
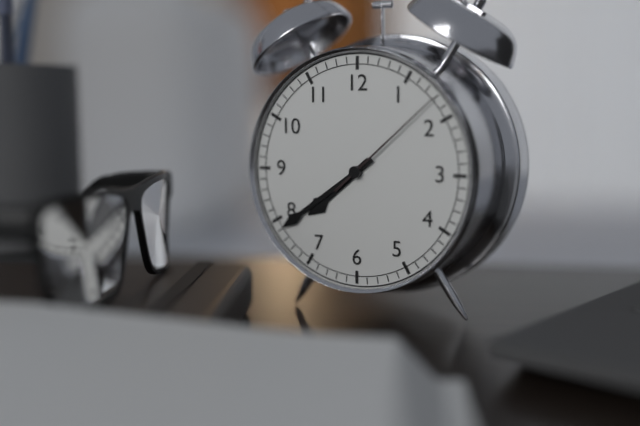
7:39:08
